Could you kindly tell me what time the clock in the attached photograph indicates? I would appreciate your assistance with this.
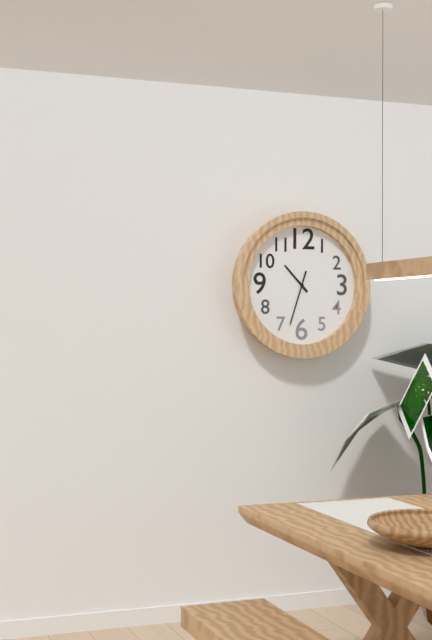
10:33
